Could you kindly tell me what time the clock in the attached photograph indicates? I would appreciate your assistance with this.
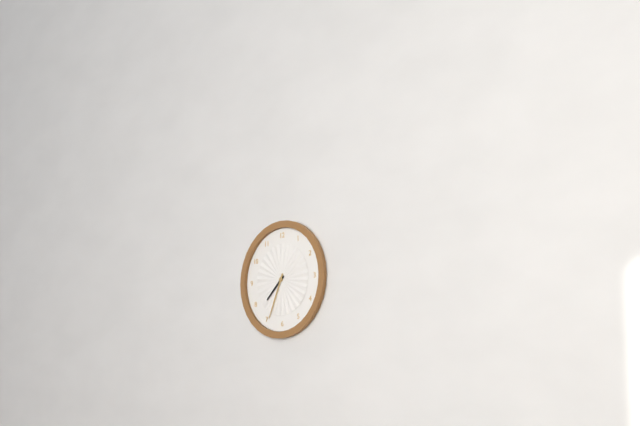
7:34
